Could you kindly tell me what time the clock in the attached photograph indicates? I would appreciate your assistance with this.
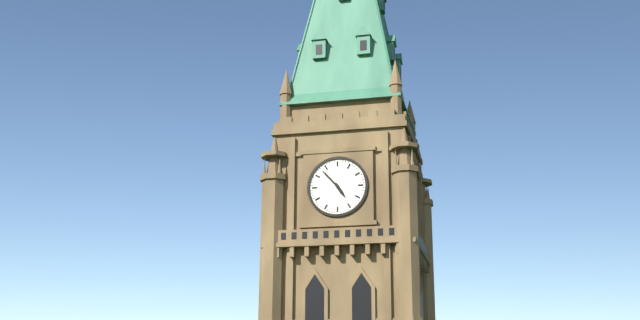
4:53
